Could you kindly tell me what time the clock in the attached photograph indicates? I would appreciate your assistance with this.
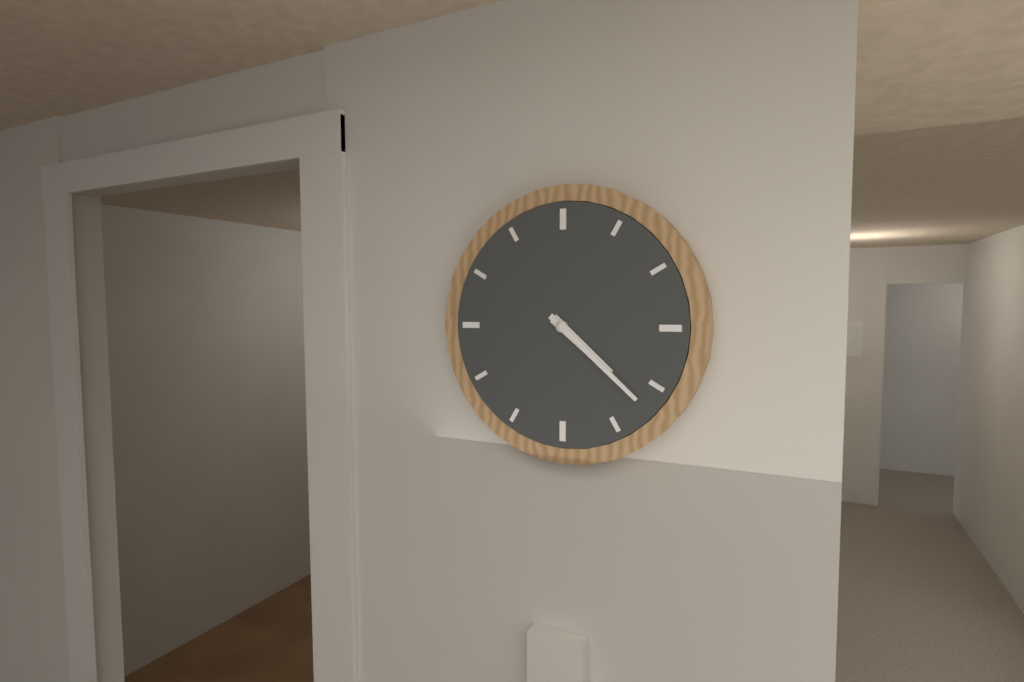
4:22
